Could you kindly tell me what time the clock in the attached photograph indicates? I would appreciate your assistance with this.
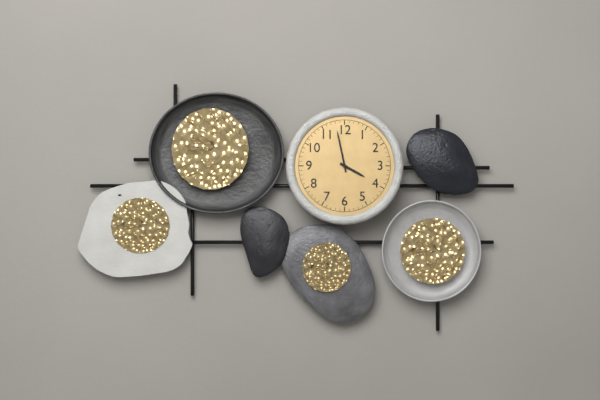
3:58
